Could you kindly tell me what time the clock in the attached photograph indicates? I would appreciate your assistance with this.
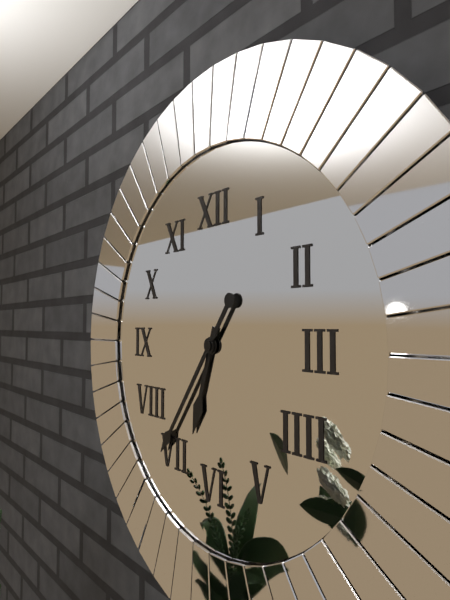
6:36
